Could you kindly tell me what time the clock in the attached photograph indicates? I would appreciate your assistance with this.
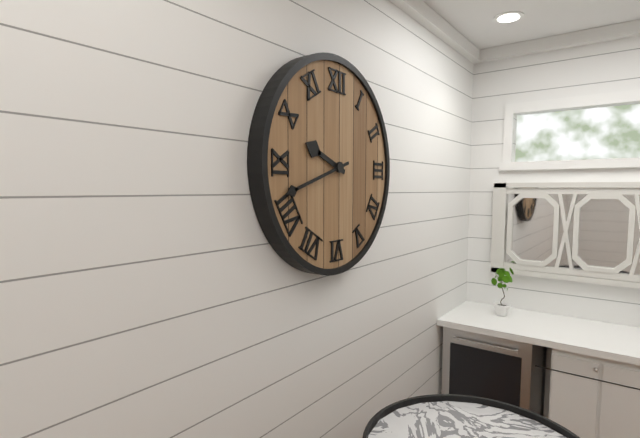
9:42
